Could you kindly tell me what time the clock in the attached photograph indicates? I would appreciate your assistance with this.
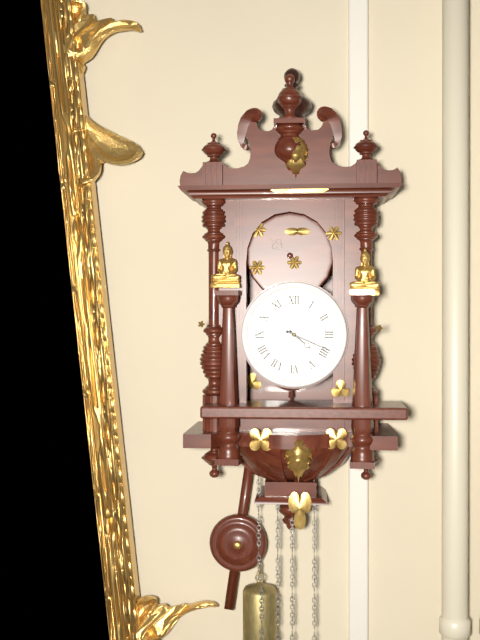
4:19
